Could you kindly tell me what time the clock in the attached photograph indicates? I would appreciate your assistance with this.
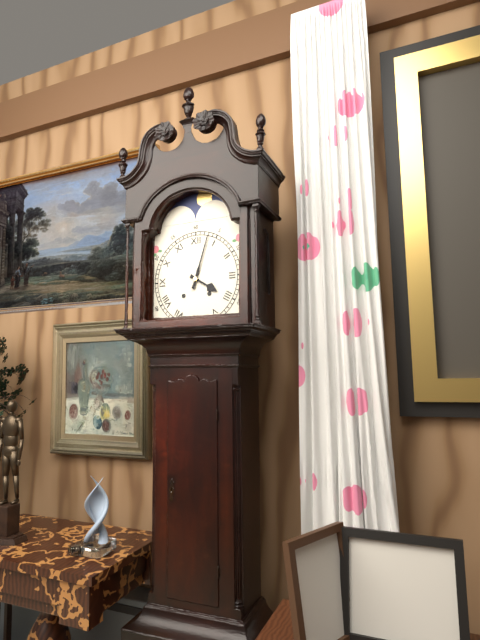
4:03
